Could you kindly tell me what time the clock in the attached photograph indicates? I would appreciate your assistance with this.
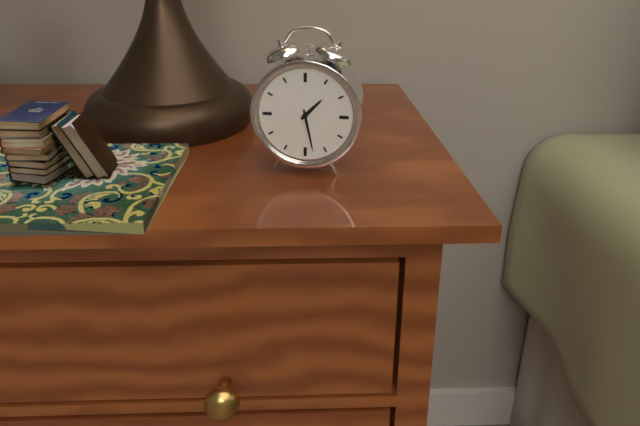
1:28
